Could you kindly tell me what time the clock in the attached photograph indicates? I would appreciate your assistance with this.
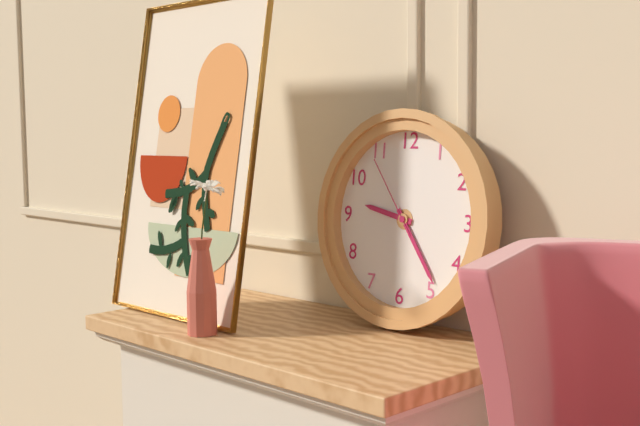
9:24:54
